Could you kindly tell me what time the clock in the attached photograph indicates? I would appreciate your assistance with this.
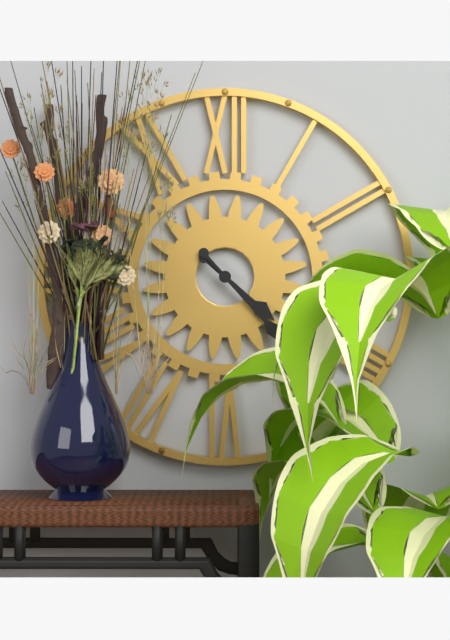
4:23
